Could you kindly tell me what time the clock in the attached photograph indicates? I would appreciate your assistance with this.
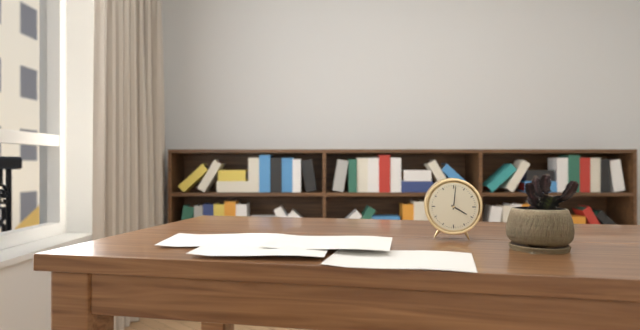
4:01
